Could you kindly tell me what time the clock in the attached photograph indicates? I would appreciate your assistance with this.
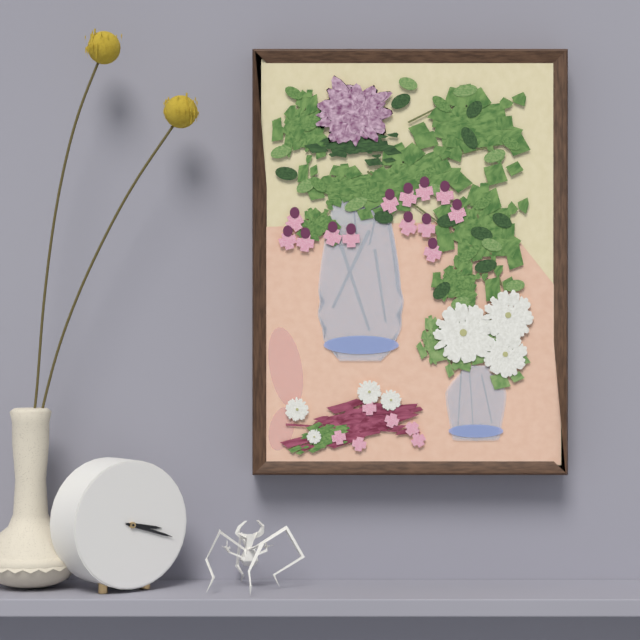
3:18
